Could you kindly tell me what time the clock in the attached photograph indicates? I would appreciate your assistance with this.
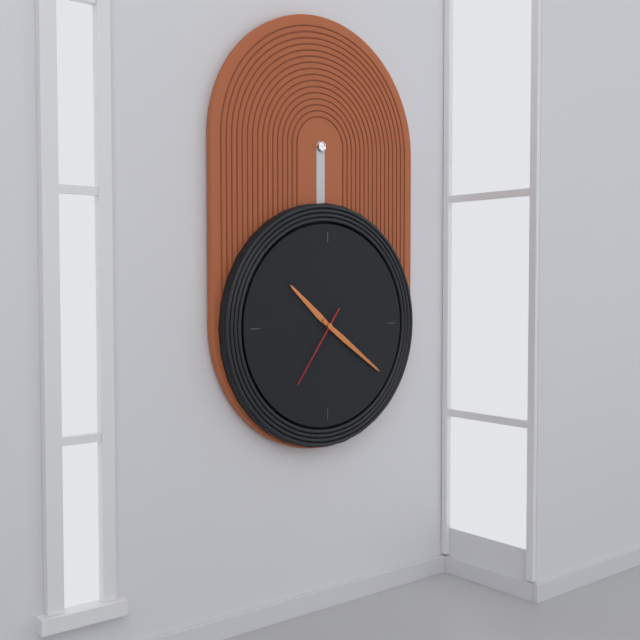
10:21:36
